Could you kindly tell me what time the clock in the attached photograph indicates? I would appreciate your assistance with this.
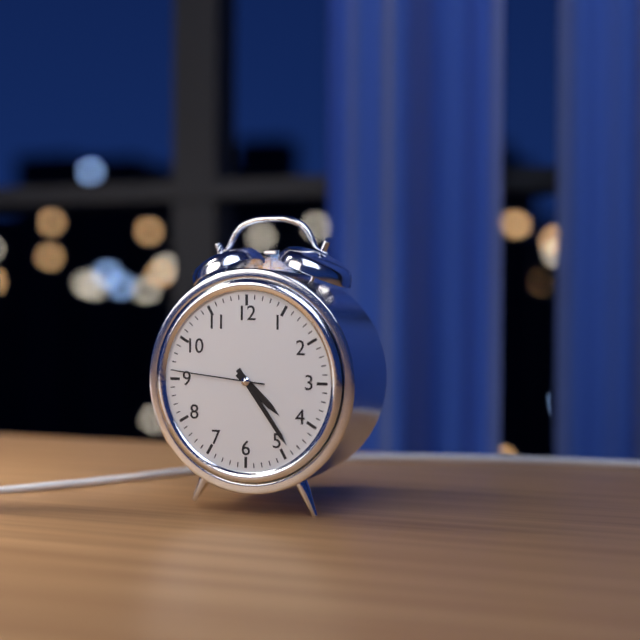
4:24:46
